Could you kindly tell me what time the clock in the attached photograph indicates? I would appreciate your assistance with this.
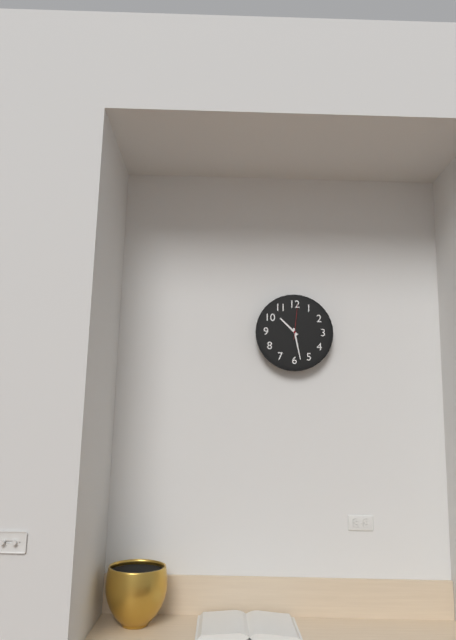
10:28
